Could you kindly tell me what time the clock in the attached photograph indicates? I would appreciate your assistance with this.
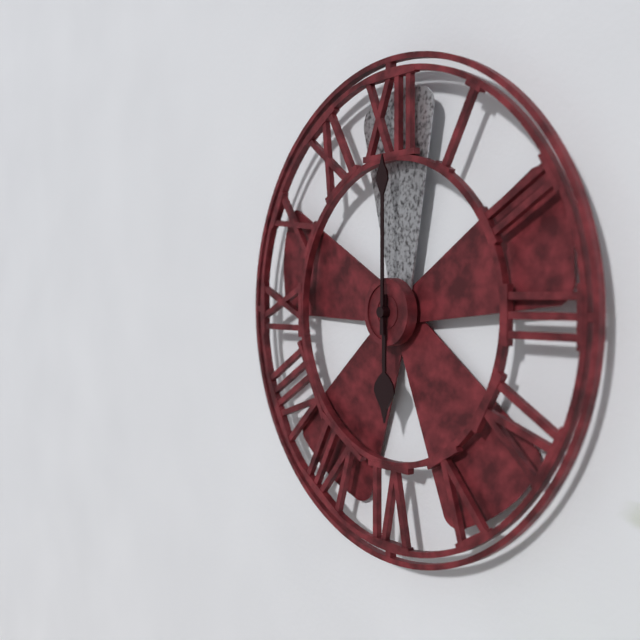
6:00
